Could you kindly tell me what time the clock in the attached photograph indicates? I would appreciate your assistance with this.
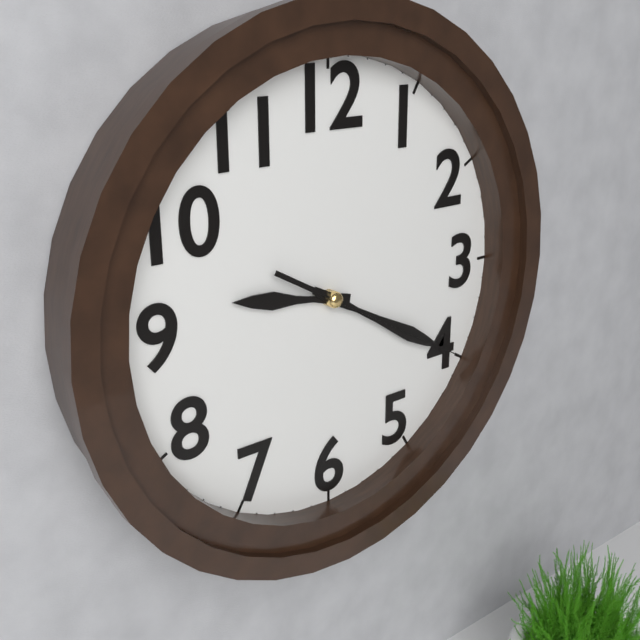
9:20:20
